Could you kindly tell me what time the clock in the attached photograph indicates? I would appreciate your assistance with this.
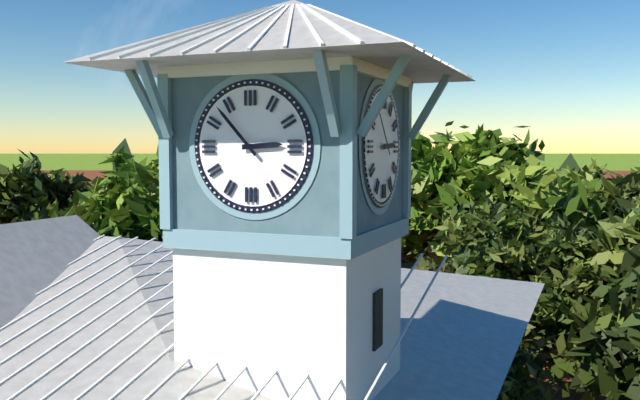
2:53
